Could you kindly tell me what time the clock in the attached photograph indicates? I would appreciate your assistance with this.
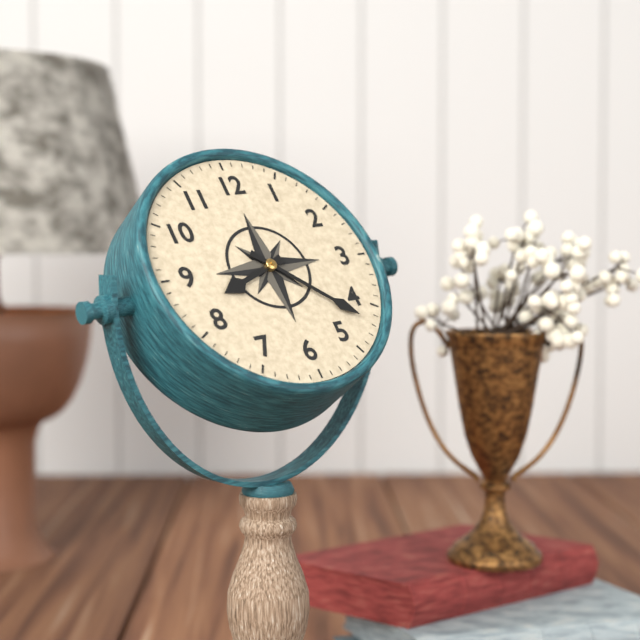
8:22
